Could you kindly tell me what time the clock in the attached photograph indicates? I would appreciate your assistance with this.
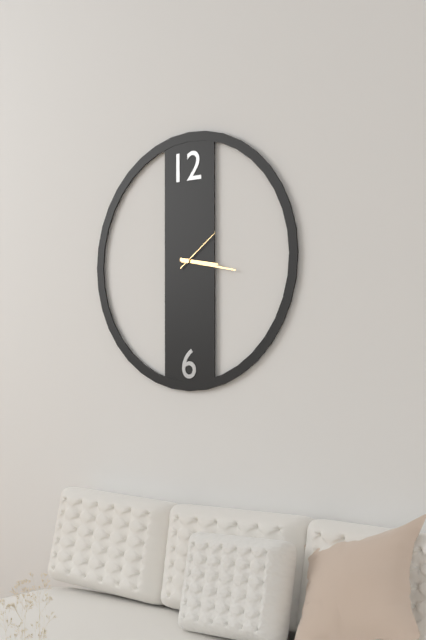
3:17:09
